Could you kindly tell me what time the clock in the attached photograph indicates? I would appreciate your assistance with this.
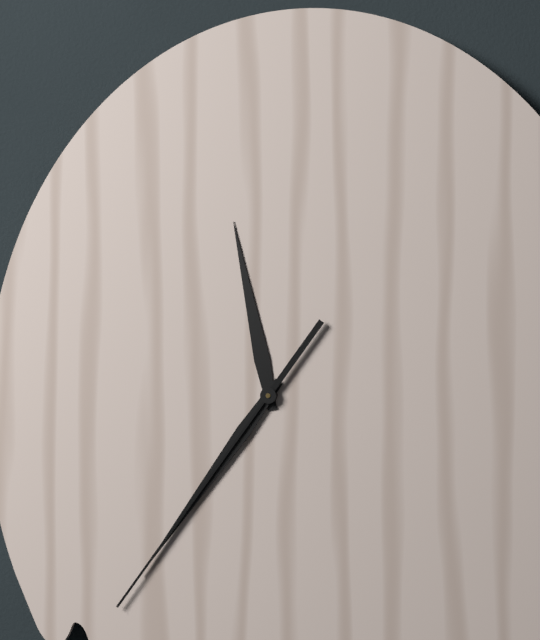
11:36:36
